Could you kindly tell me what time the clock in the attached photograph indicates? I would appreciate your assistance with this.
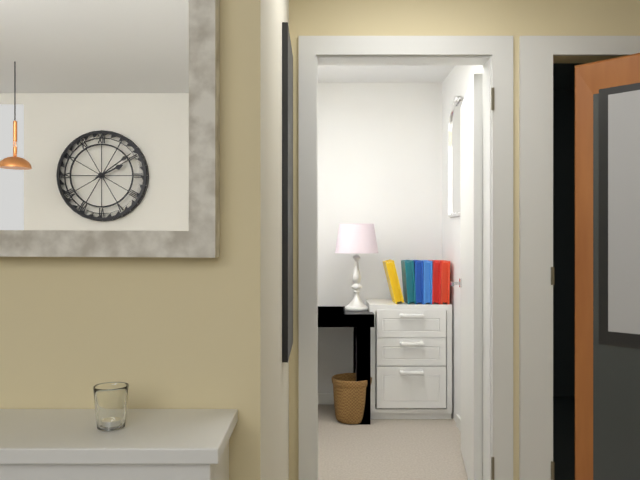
2:09
